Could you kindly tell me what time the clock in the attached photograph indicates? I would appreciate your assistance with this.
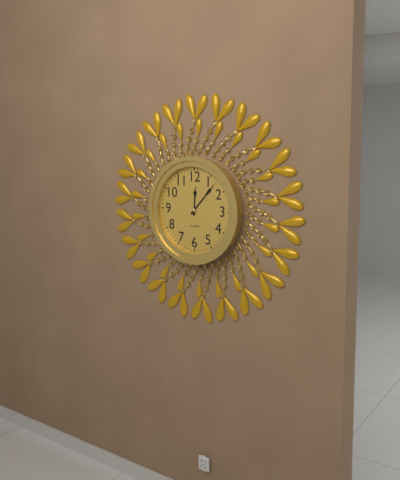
12:07
